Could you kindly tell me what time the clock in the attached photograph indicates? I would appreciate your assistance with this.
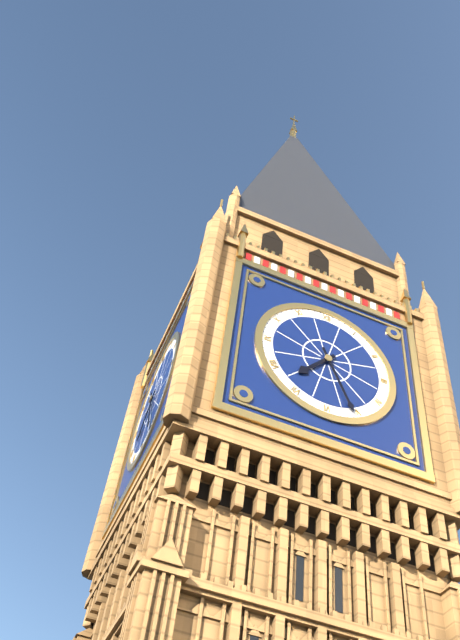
7:26
